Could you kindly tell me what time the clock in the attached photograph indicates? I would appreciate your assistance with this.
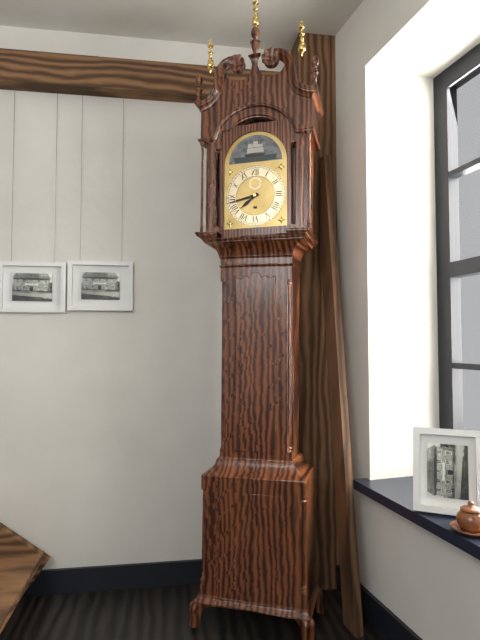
7:43
